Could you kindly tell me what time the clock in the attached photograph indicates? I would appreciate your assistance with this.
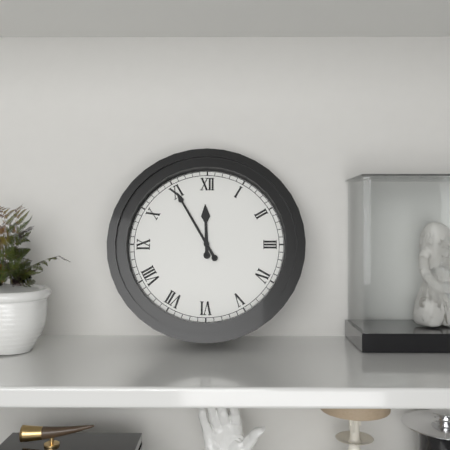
11:55
